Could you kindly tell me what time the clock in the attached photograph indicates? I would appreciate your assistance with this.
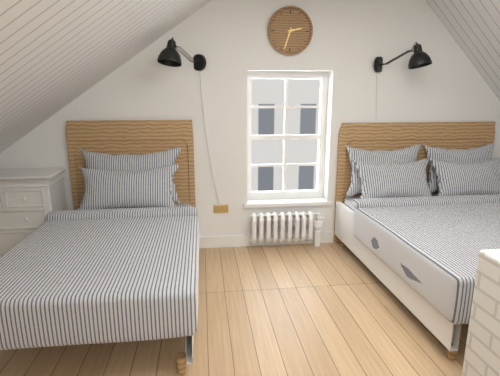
2:33
